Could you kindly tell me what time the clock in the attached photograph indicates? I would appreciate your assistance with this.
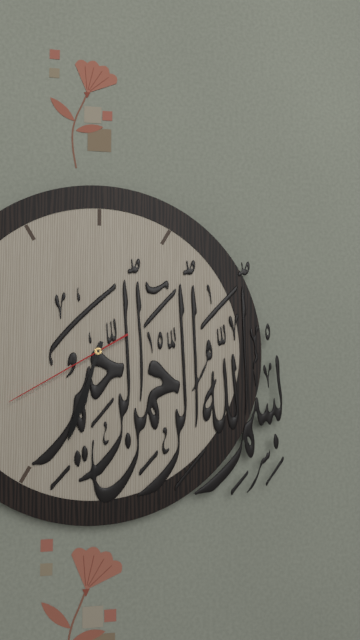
6:33:40
